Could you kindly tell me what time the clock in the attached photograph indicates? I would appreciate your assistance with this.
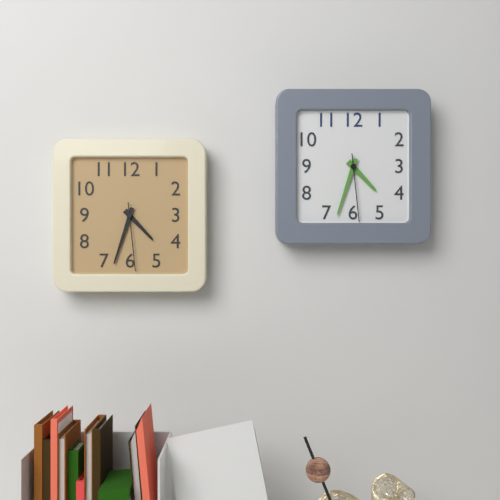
4:33:29
